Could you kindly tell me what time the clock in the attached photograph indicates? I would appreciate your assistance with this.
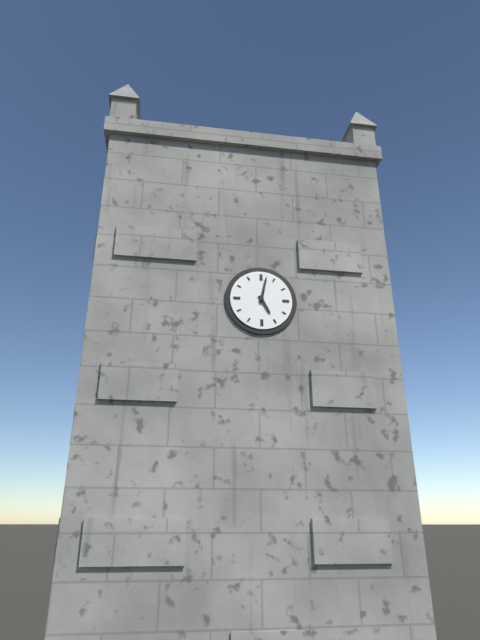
5:02
